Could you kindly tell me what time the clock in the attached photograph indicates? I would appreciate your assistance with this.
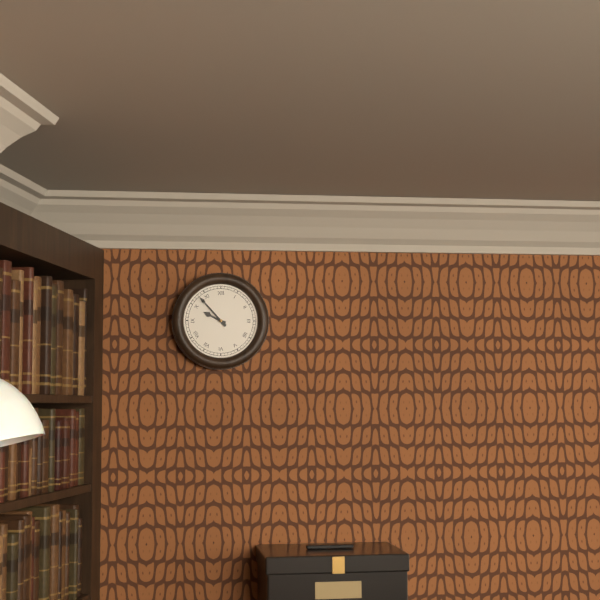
9:53
